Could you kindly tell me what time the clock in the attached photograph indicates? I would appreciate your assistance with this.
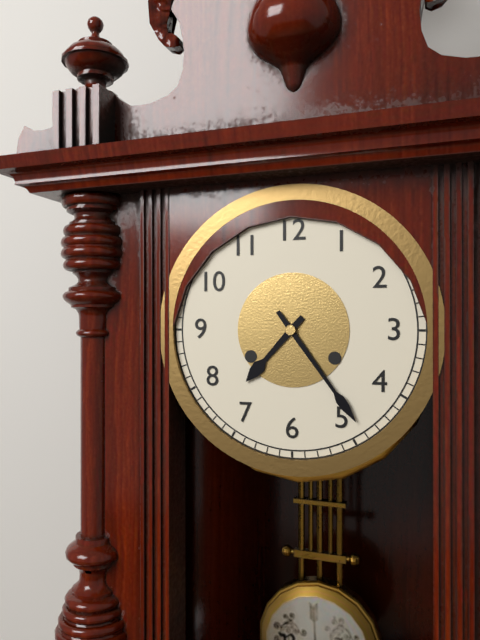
7:24
